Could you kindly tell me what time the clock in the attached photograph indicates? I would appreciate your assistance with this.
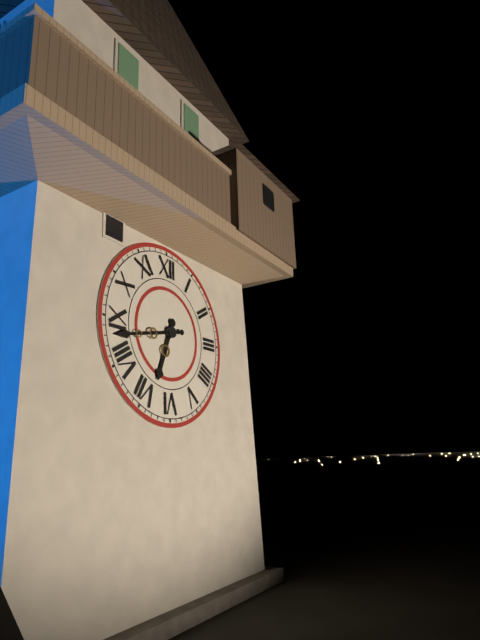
6:43
